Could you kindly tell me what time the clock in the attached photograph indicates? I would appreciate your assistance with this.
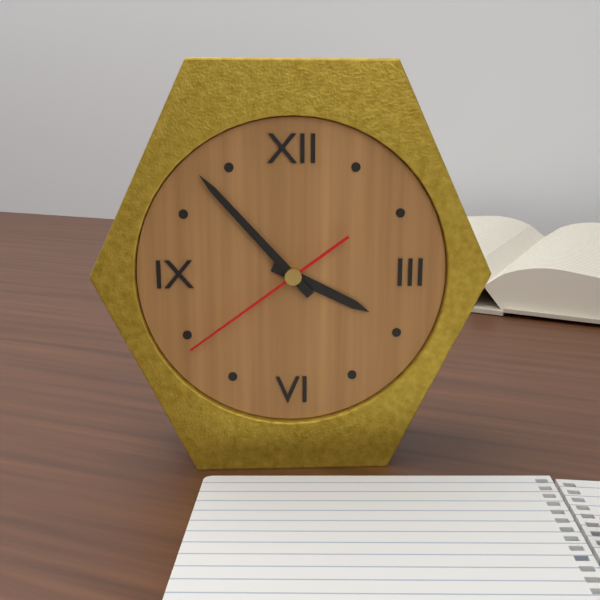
3:53:39
